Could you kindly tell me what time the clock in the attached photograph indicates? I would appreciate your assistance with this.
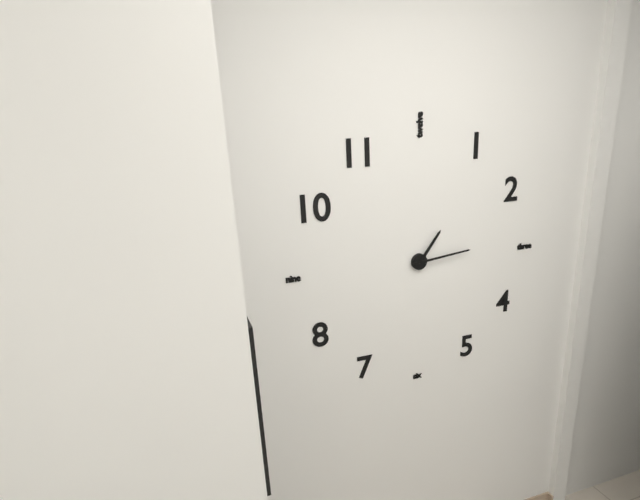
1:14
